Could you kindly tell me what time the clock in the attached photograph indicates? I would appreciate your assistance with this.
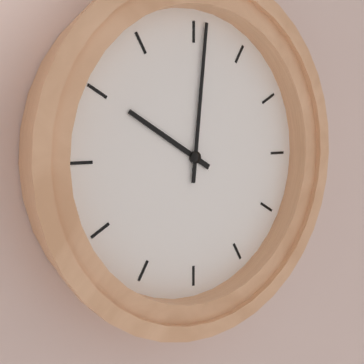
10:01
